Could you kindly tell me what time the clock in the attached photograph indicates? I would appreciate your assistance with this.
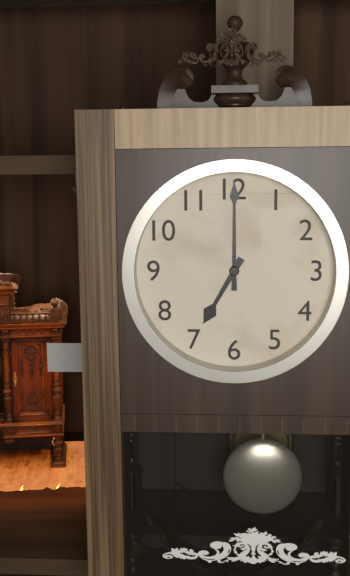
7:00
